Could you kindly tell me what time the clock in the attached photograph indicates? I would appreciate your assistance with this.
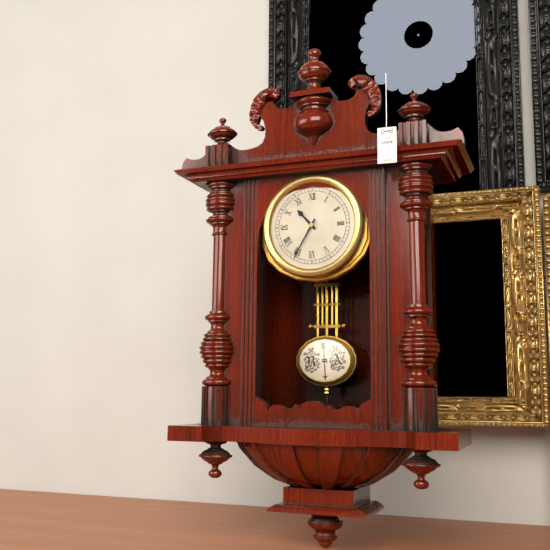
10:35
